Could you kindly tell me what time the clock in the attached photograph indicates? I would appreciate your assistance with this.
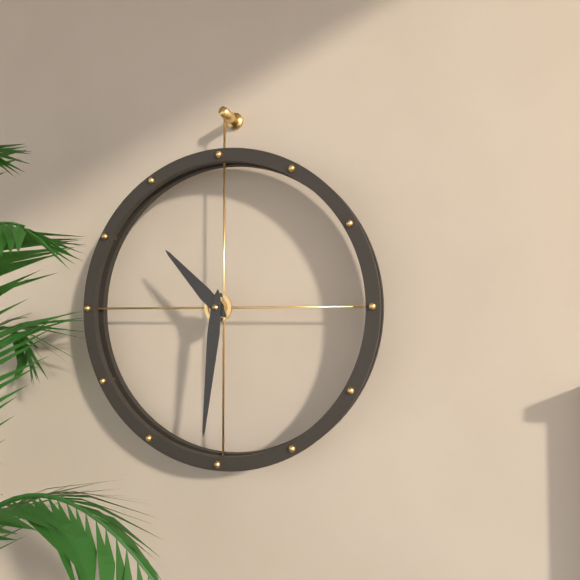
10:31
